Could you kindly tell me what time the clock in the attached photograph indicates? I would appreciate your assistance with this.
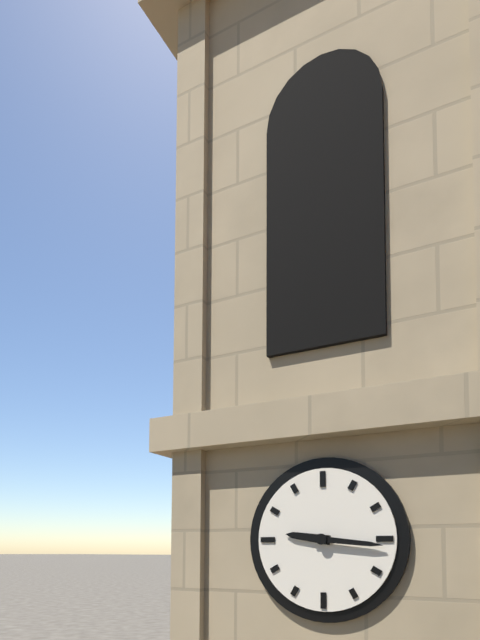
9:16
